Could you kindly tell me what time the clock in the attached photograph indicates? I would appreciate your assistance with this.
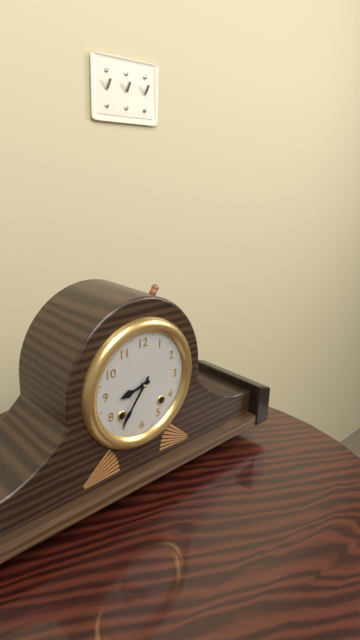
8:36
